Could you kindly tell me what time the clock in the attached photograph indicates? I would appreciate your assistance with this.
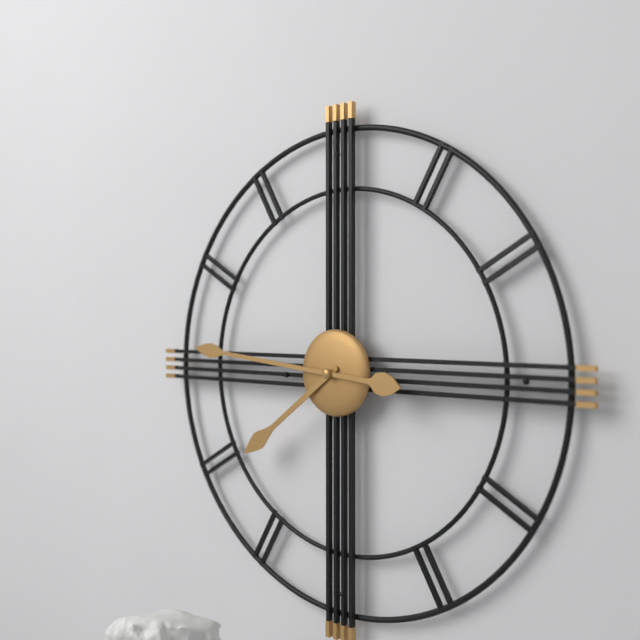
7:46
